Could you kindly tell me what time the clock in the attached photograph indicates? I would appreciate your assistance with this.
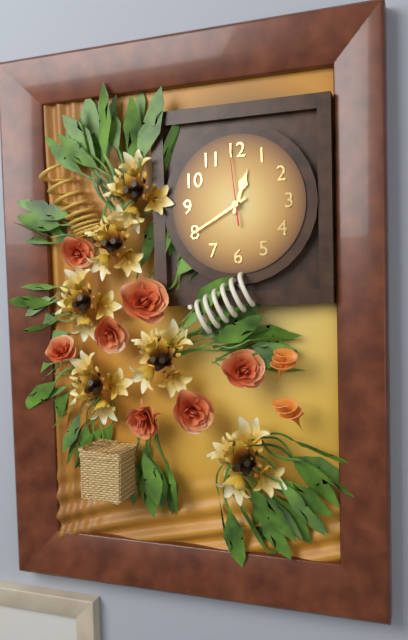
12:40:59
